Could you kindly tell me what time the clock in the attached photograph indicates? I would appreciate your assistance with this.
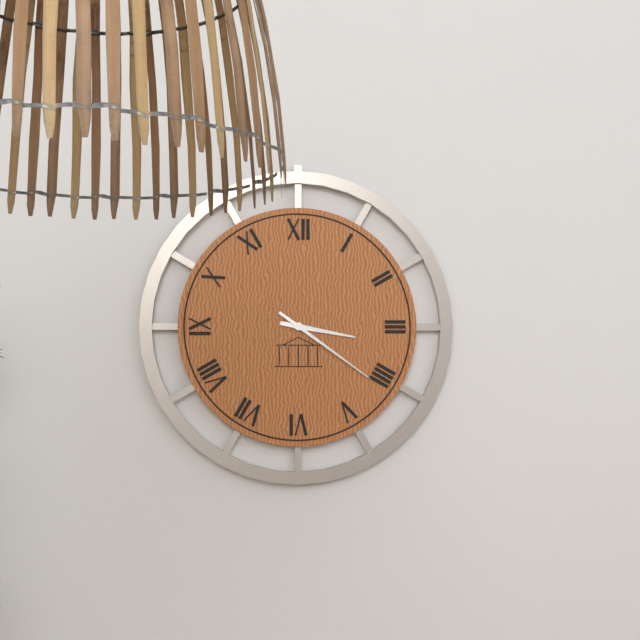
3:21
